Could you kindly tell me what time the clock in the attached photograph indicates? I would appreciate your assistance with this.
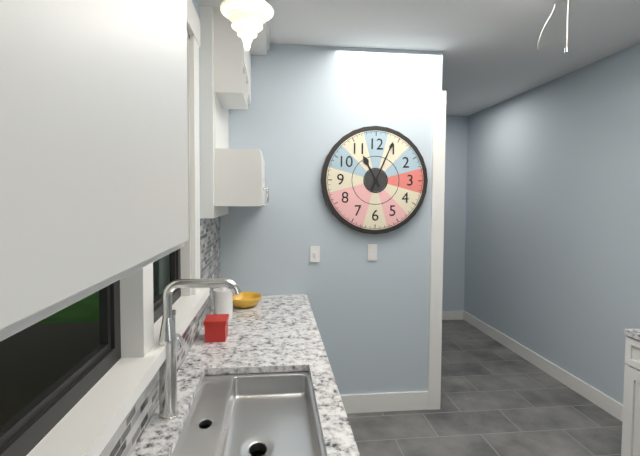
11:04
